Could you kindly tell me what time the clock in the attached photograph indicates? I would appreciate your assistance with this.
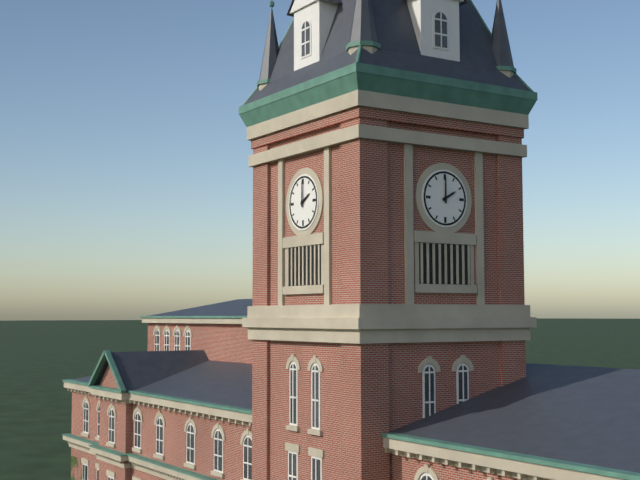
2:00
